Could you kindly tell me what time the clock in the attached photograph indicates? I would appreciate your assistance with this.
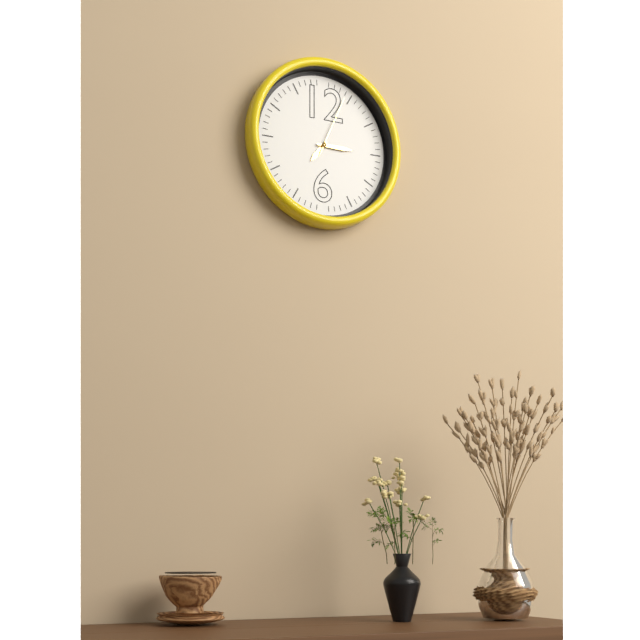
7:15:04
